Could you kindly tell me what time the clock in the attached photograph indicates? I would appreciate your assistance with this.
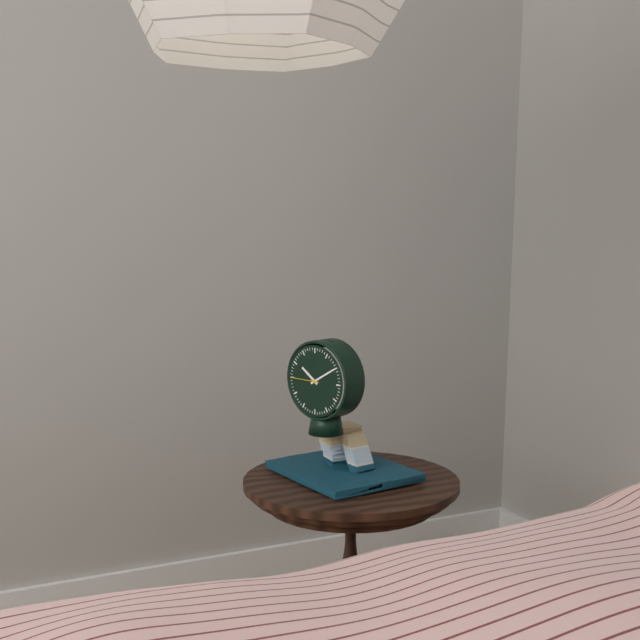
10:10
